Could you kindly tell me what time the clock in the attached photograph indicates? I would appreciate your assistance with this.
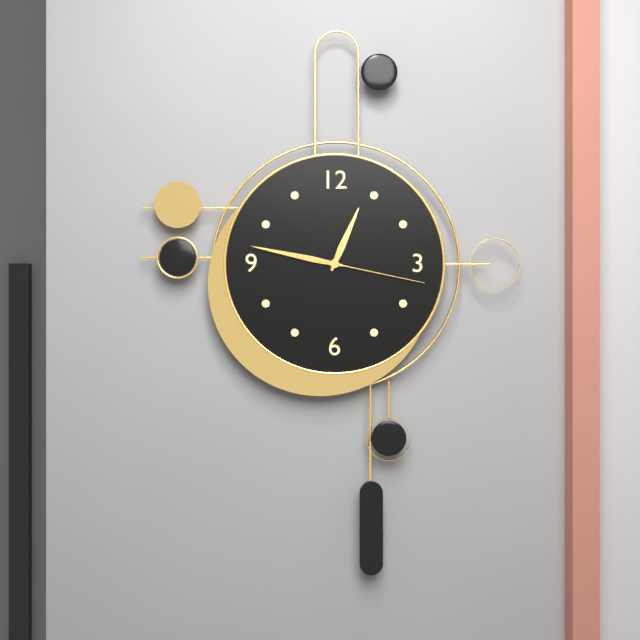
12:47:17
